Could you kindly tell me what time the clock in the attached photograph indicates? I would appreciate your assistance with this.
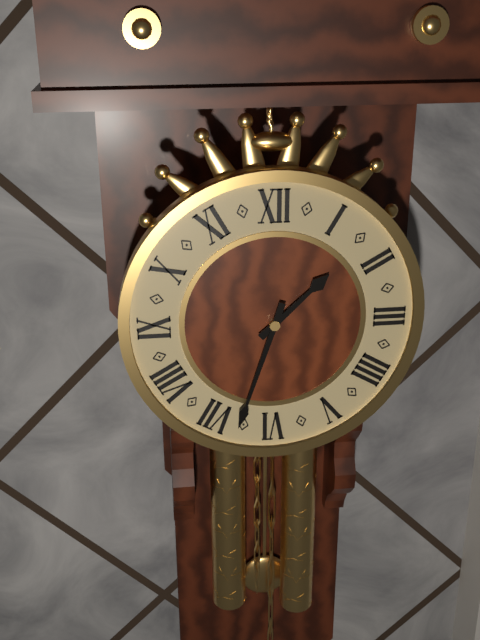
1:33
